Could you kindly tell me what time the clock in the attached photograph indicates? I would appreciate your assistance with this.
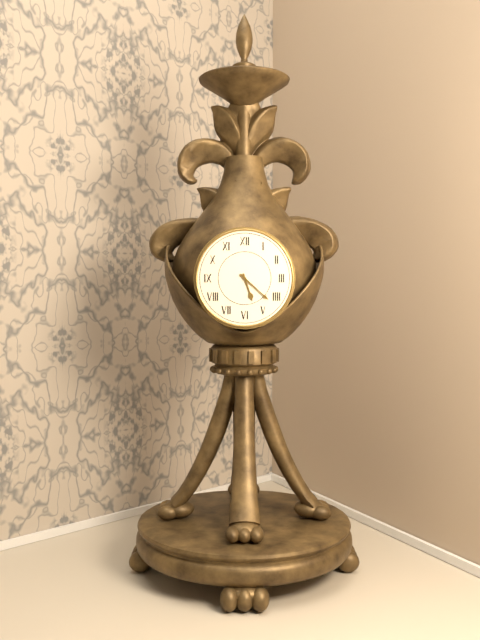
5:22
